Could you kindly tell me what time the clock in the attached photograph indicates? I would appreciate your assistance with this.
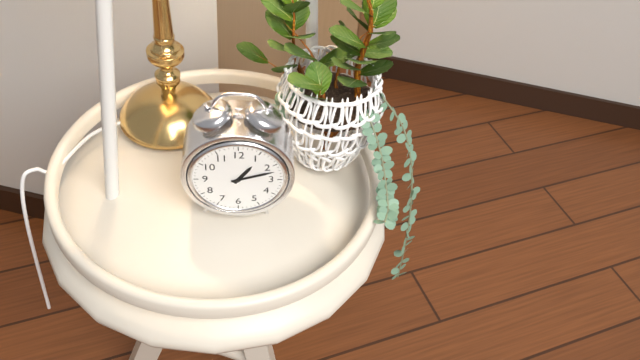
1:12
